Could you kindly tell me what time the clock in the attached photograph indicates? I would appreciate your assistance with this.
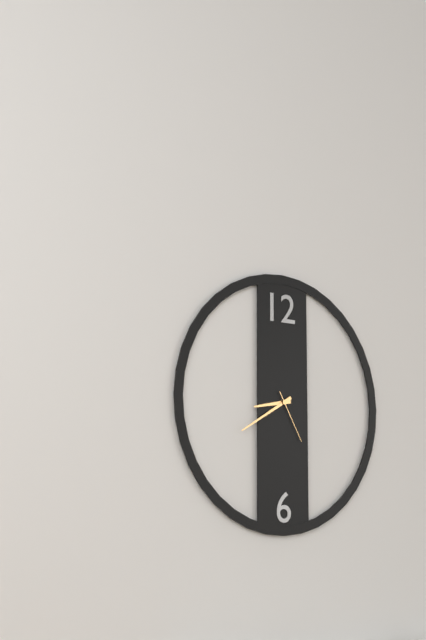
8:40:25
